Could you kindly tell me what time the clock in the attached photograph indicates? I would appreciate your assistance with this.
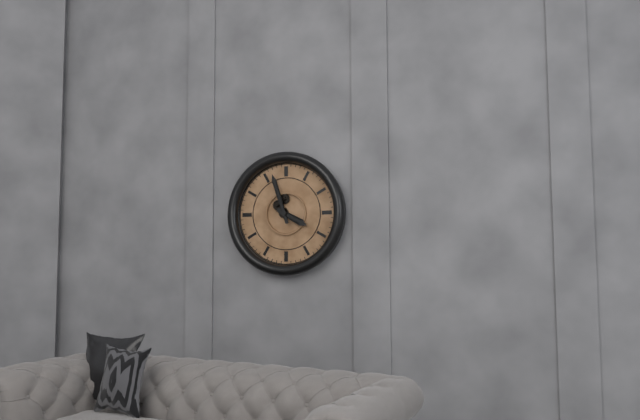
3:57
